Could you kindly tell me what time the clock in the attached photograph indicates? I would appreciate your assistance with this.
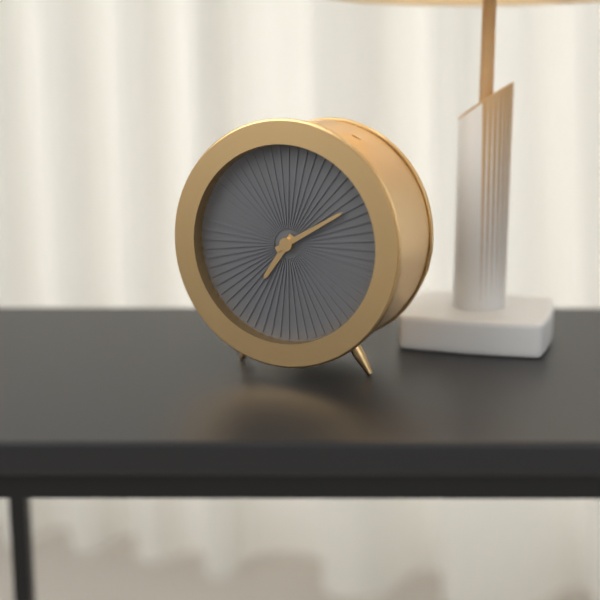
7:10
